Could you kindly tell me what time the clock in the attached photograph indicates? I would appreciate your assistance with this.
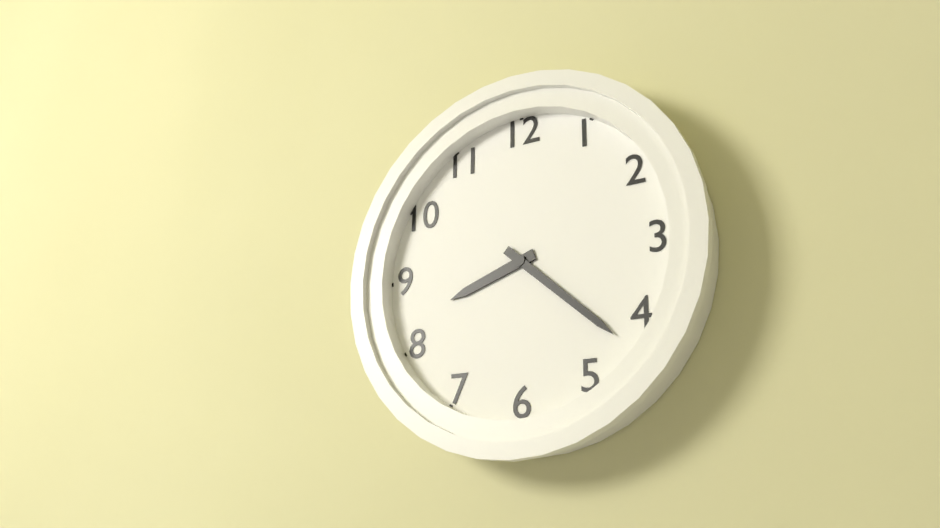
8:22
